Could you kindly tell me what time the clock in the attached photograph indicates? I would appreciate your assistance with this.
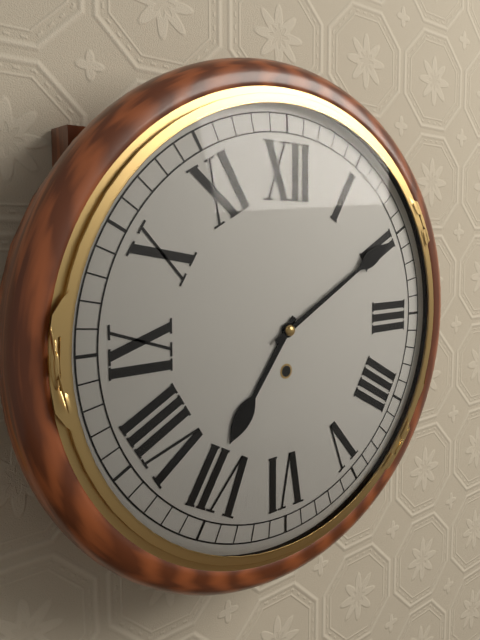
7:10
